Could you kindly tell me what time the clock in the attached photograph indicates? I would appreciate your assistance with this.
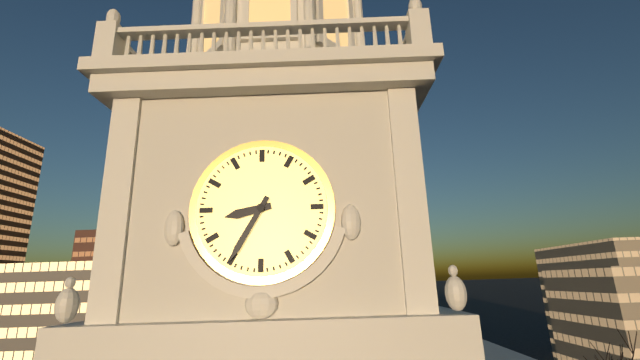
8:35
